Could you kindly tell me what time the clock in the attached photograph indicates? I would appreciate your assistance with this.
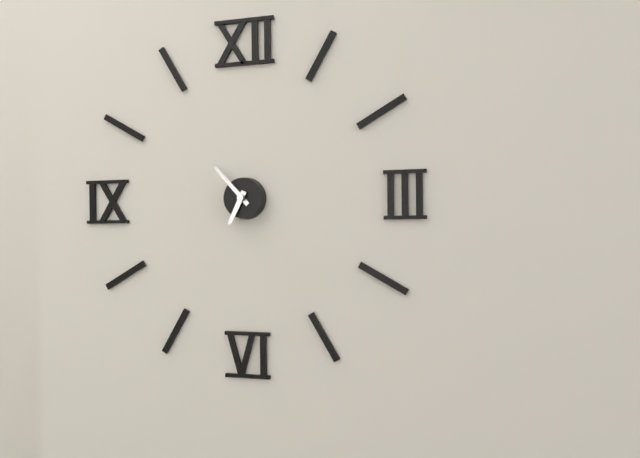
6:53
